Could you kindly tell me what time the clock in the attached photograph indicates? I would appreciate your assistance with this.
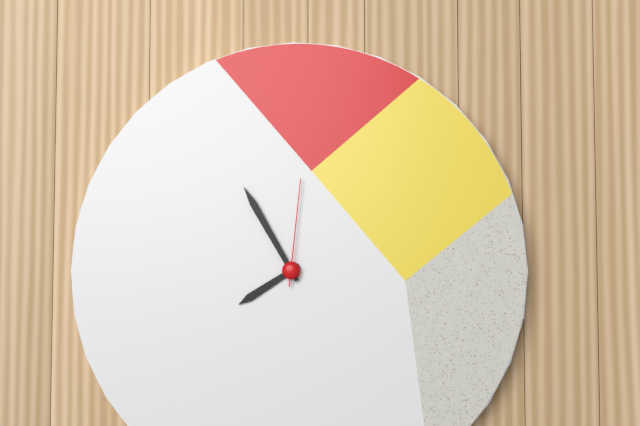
7:55:01
